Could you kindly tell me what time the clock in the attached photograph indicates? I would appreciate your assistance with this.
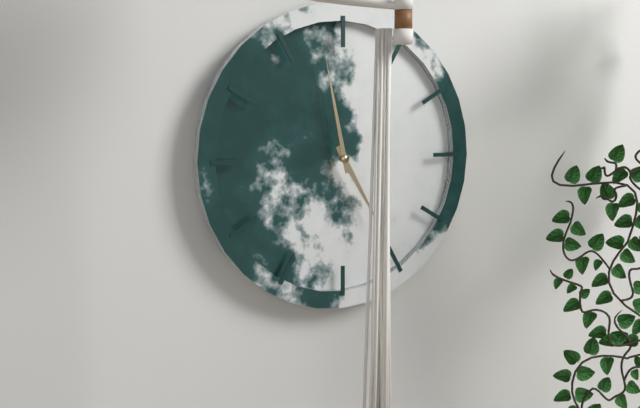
4:58
